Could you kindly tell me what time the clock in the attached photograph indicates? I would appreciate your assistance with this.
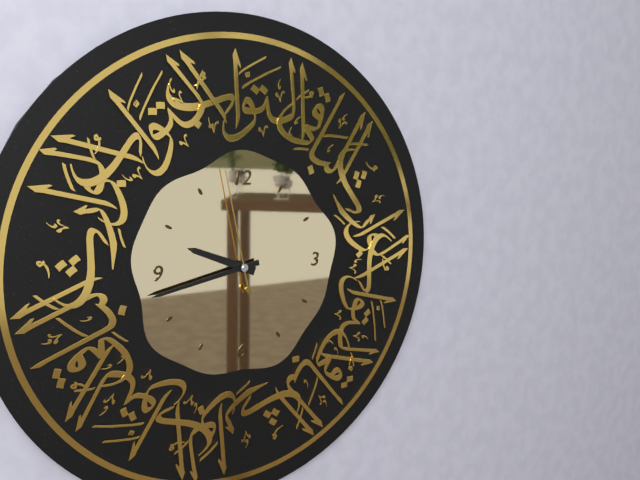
9:43:58
